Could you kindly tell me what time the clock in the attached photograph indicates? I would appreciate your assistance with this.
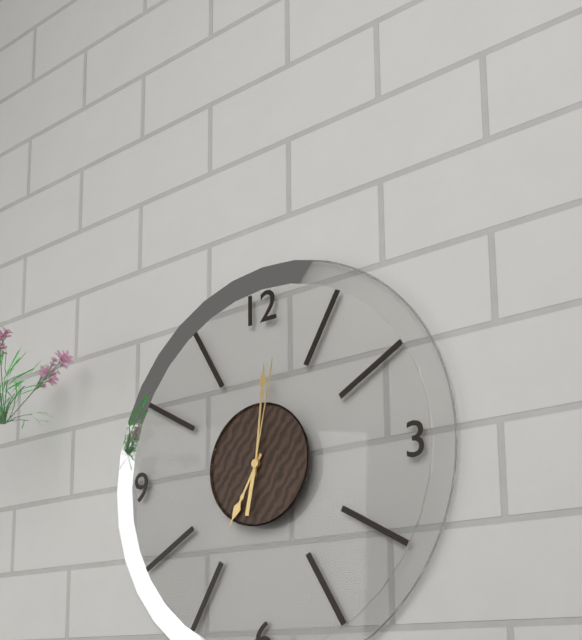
7:01:02
